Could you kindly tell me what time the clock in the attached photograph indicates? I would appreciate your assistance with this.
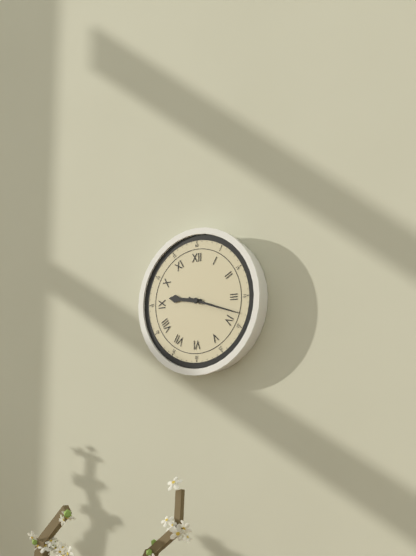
9:18
